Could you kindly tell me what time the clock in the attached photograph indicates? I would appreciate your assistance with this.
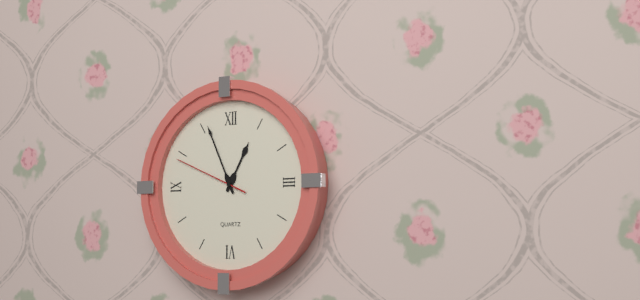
12:56:49
